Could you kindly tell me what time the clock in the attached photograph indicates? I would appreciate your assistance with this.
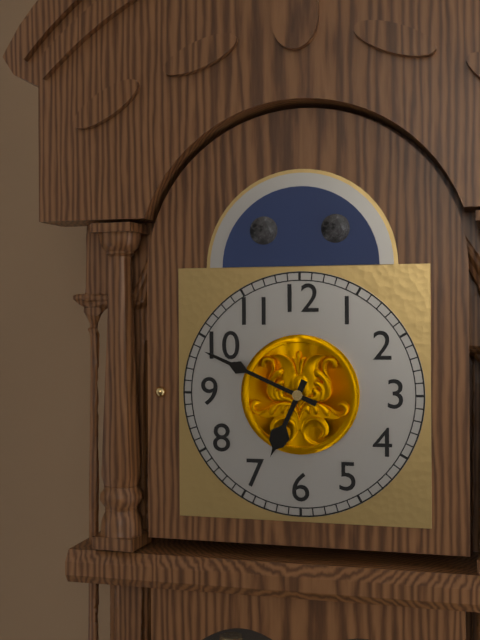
6:49
